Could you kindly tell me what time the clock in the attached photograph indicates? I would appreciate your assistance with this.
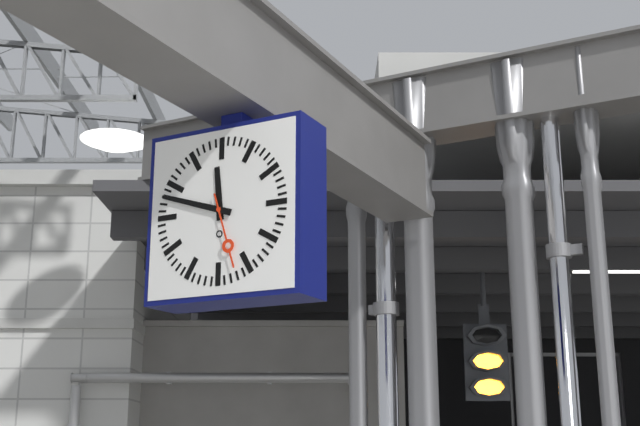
11:48:27
